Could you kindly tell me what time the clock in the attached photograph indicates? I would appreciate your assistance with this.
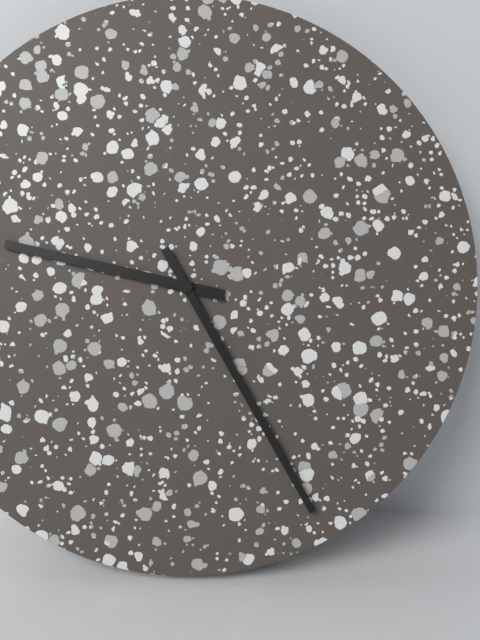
9:25
